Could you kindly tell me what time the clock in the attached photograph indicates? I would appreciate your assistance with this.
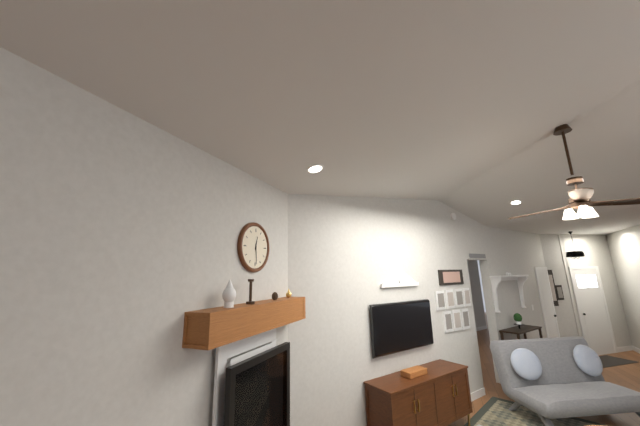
12:29
